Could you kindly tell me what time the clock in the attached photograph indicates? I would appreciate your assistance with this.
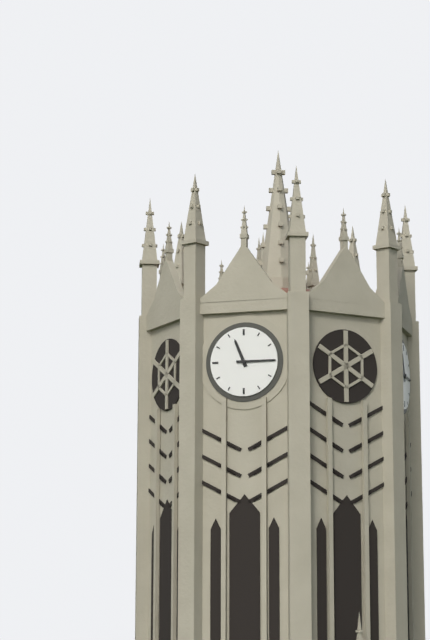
11:15
